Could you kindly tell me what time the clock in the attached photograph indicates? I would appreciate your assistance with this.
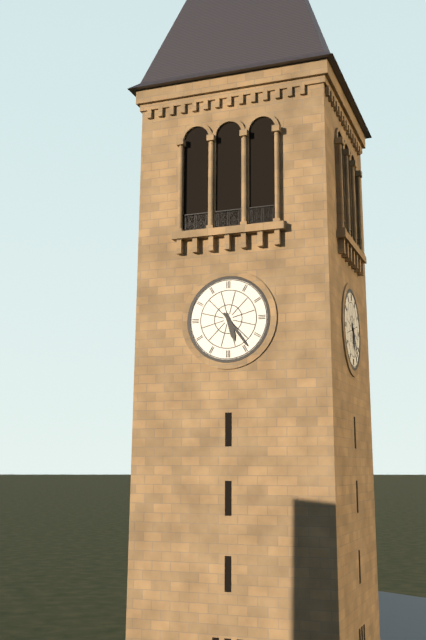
5:24
